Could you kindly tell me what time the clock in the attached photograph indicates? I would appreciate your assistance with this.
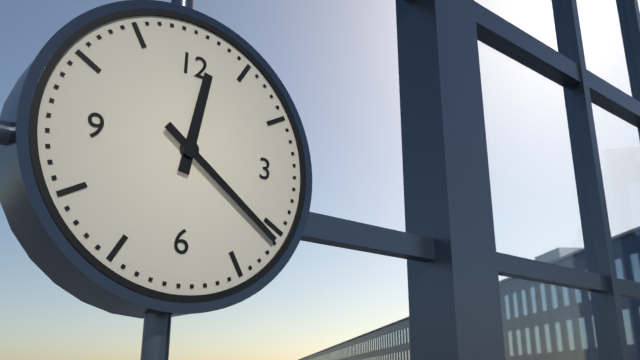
12:21
